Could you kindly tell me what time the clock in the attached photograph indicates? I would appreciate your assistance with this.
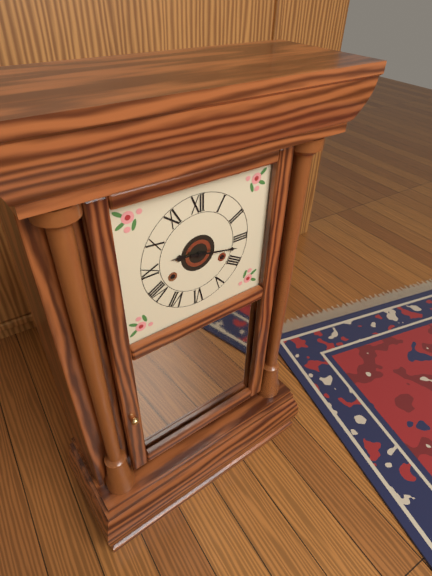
9:17
